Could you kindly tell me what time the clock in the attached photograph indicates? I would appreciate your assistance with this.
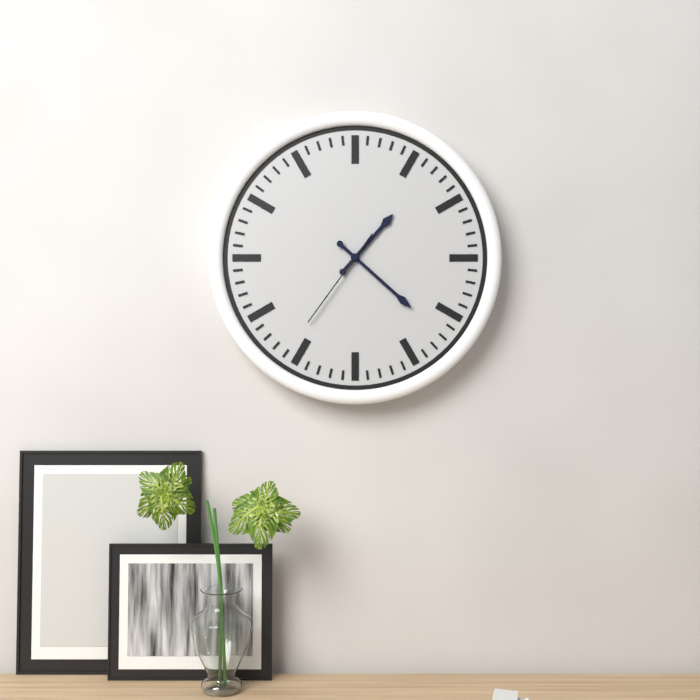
1:22:36
